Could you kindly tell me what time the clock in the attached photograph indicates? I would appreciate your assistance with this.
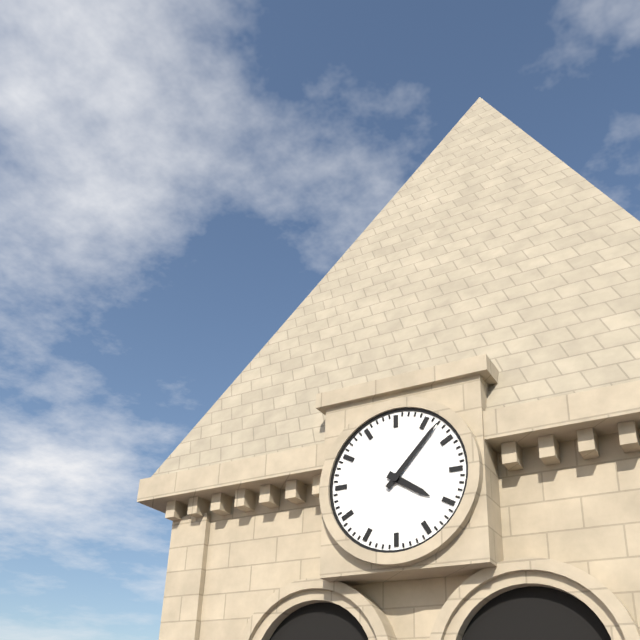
4:07
